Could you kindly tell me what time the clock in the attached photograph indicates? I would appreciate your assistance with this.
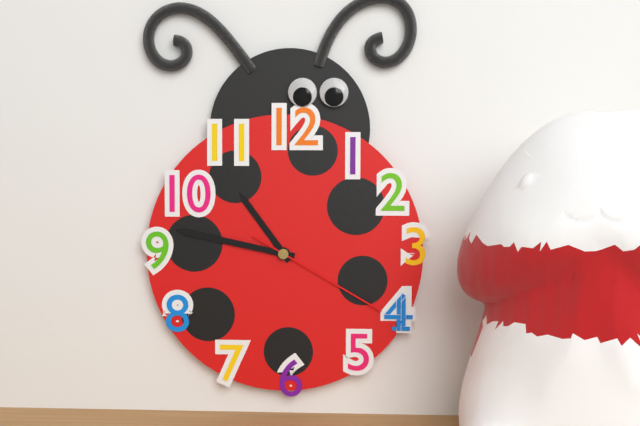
10:47:20
